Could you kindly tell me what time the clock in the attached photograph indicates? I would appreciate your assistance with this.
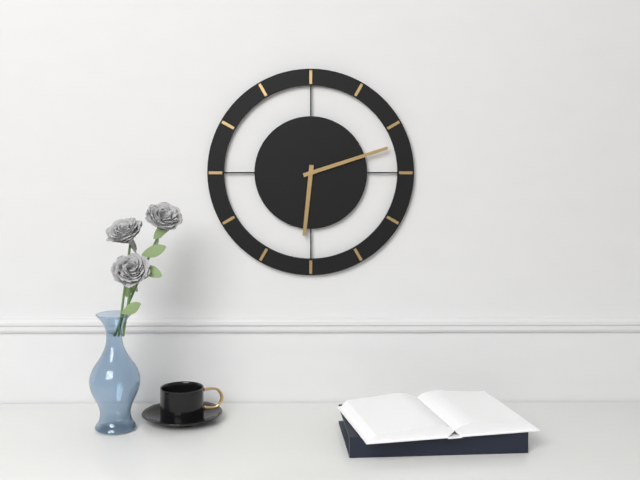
6:12
